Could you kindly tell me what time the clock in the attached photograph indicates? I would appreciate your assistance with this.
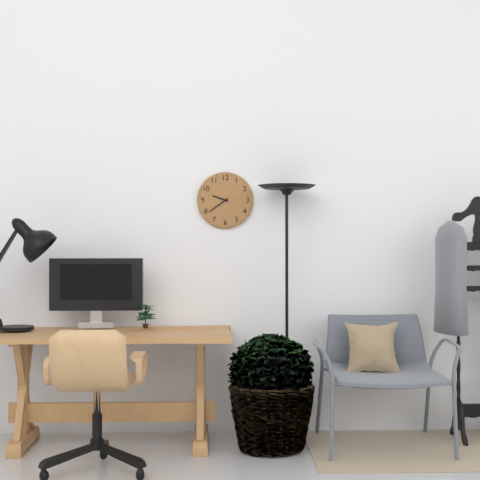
9:39
